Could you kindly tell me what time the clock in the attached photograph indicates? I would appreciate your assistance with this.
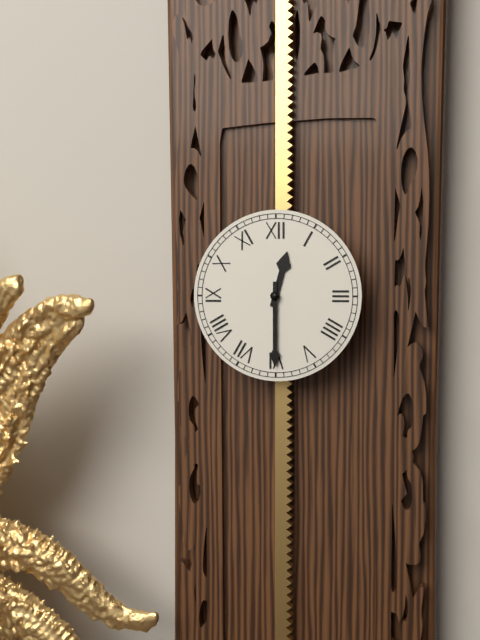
12:30
